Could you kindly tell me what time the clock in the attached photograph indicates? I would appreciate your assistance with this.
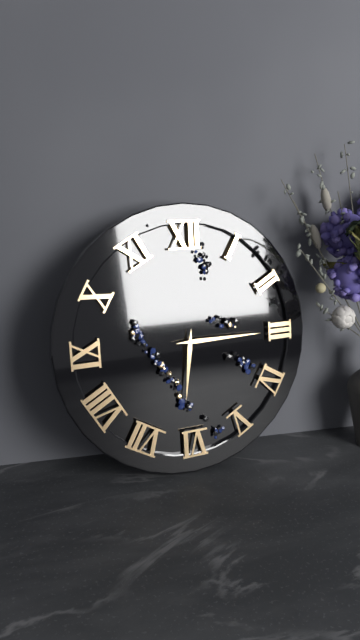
6:15
